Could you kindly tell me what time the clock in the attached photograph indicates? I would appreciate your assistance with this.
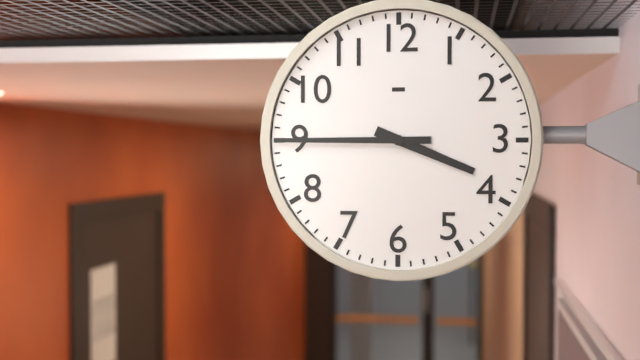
3:45
